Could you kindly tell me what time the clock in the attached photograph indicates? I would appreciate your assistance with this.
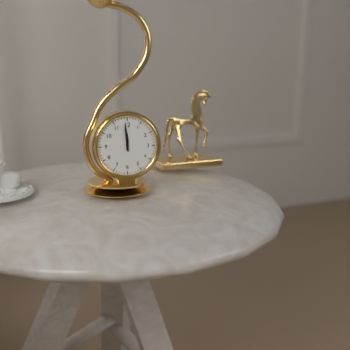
11:59
